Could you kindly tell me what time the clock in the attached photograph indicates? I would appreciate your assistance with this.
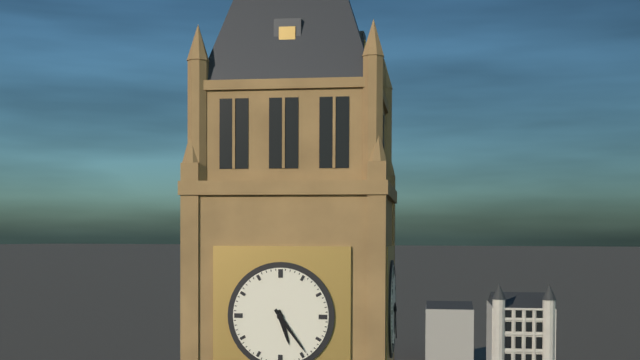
5:24
